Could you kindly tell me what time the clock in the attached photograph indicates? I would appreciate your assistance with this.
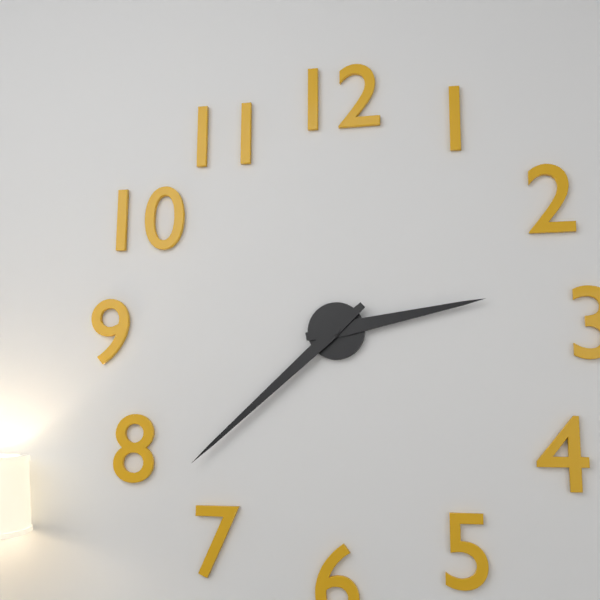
2:38
